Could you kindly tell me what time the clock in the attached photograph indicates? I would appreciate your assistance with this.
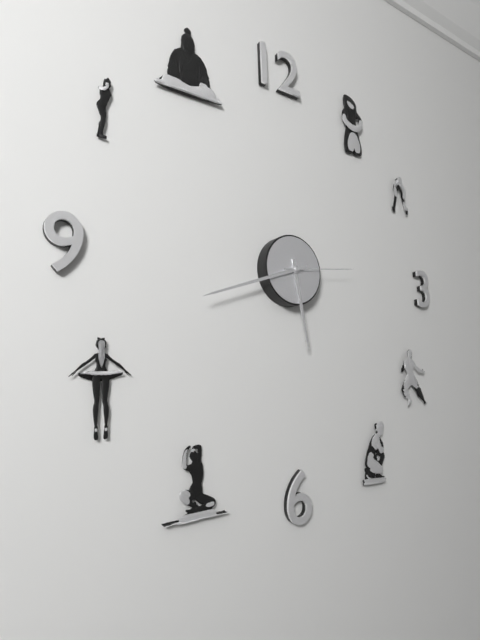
5:42:14
